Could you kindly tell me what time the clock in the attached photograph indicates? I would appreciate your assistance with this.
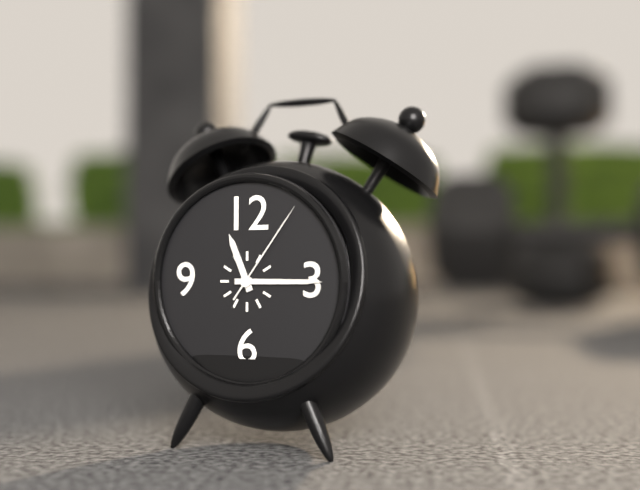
11:15:06
